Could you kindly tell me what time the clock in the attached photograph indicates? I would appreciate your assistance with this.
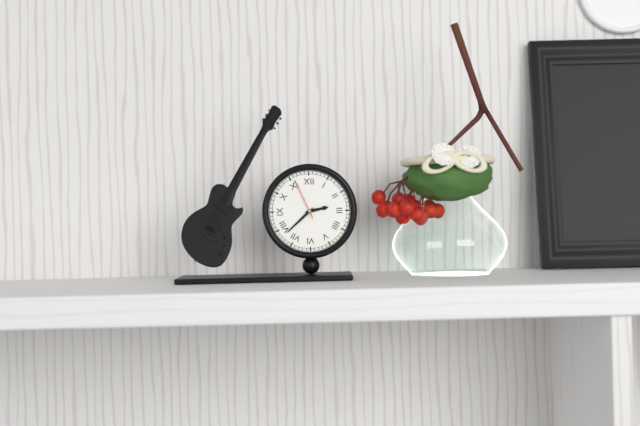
2:38
